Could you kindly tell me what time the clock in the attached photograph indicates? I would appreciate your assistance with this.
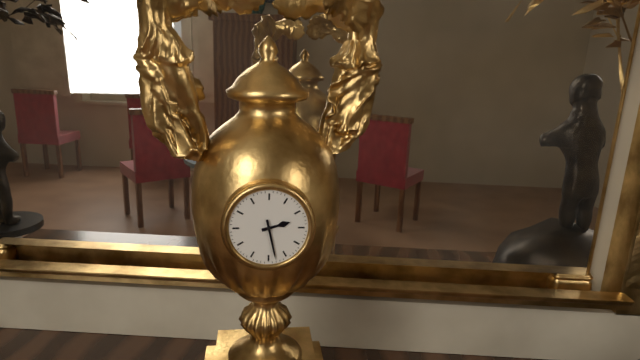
2:28
